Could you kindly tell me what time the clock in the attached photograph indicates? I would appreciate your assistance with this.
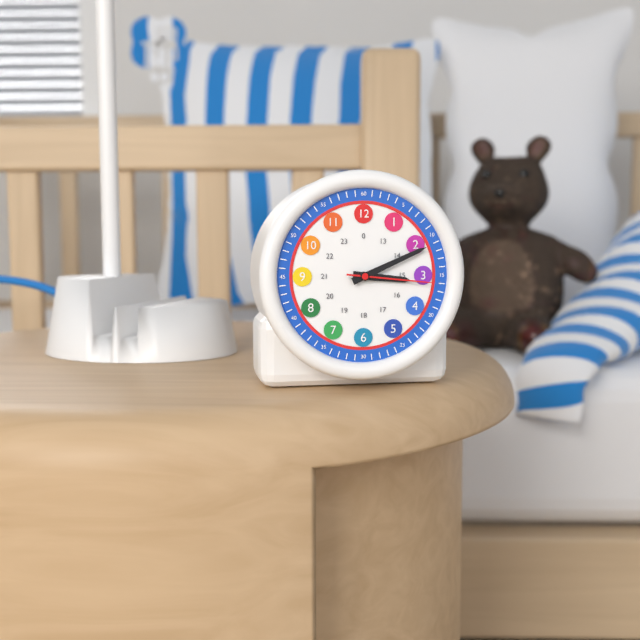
3:11:16
